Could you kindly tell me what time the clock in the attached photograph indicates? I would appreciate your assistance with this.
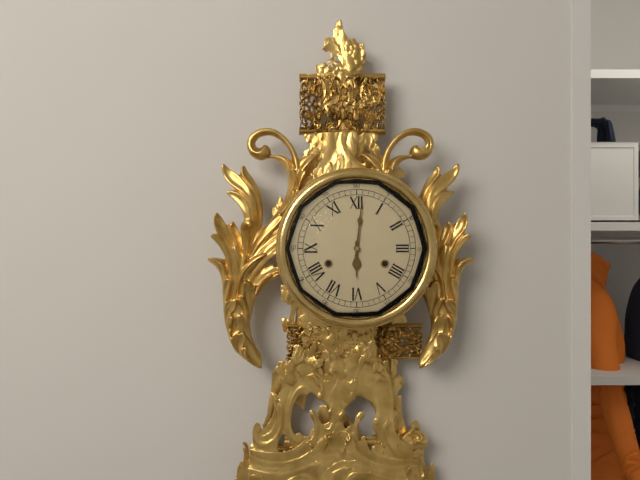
6:01
